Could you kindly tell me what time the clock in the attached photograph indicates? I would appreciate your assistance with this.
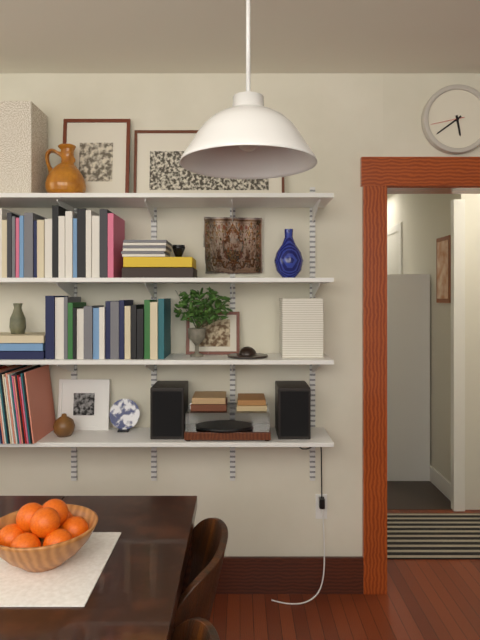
5:39
